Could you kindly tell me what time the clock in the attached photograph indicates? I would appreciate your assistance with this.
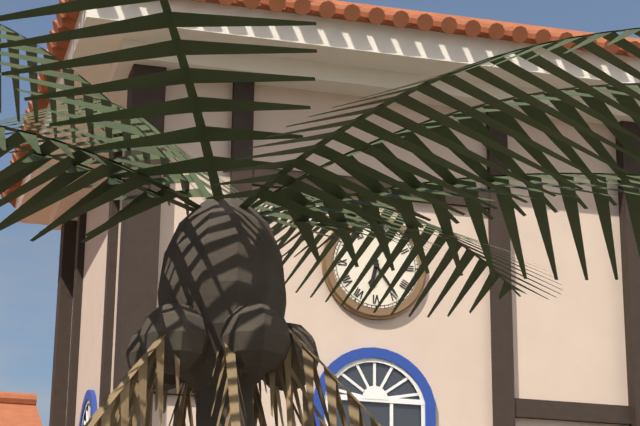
6:24
